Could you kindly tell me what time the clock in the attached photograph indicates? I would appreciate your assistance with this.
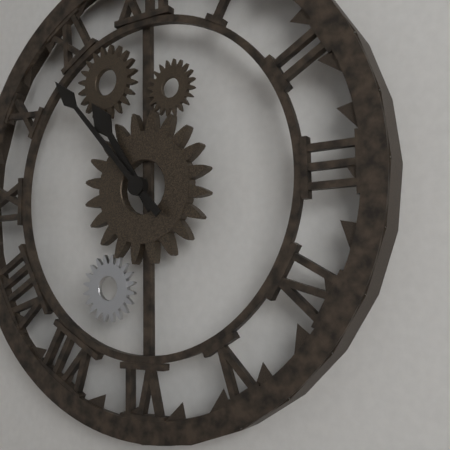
10:53
